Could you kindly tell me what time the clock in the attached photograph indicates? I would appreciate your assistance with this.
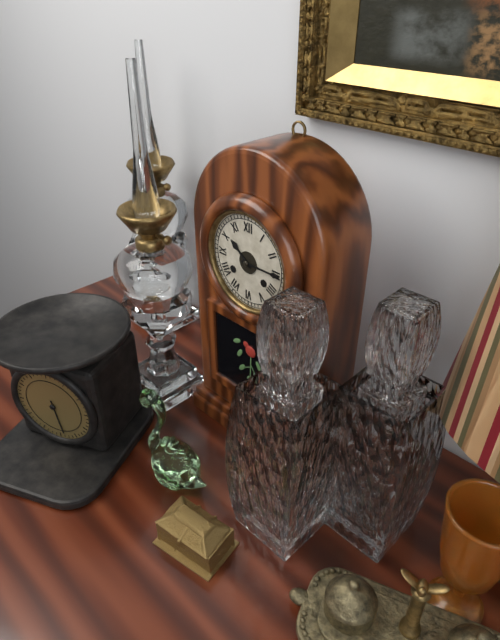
10:15
